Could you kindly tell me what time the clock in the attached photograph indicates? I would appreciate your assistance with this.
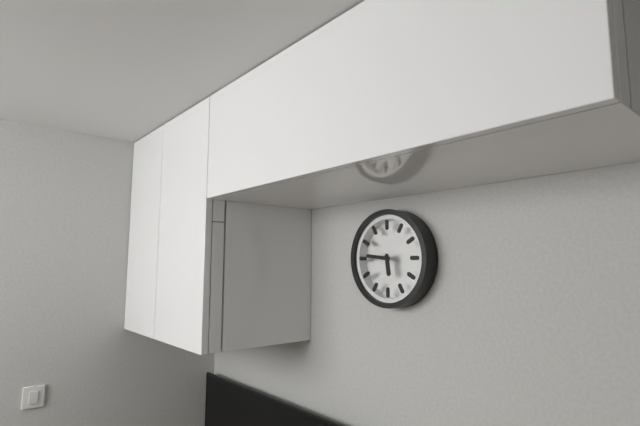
5:46
